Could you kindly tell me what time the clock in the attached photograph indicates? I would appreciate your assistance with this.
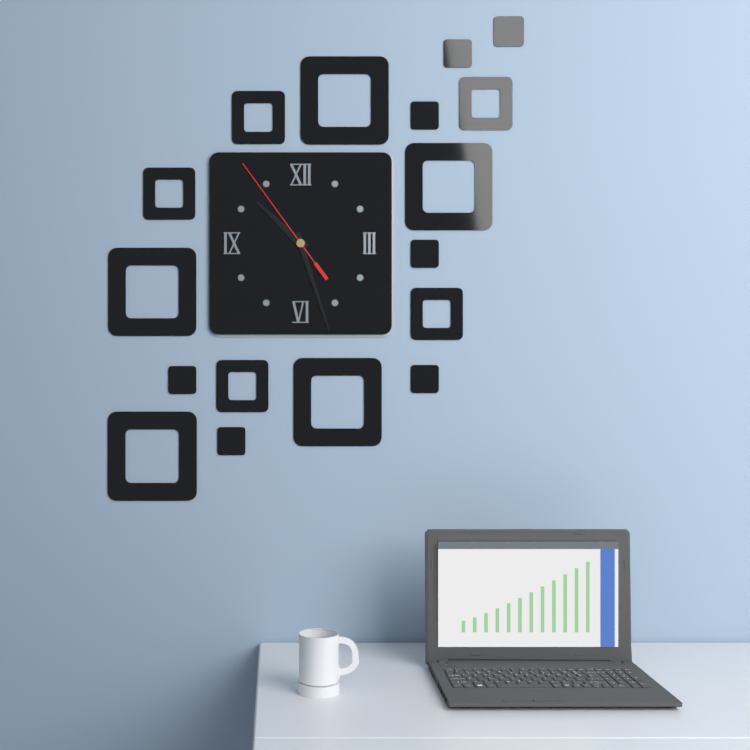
10:27:54
